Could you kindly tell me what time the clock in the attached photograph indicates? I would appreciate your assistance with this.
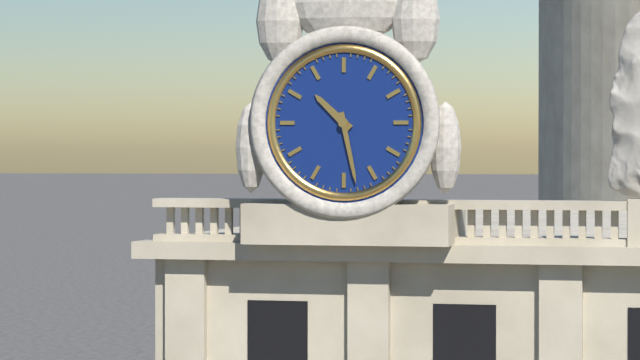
10:28
